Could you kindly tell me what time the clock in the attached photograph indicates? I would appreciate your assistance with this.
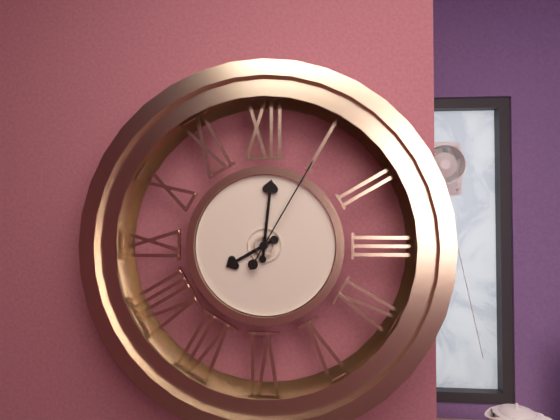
8:01:05
